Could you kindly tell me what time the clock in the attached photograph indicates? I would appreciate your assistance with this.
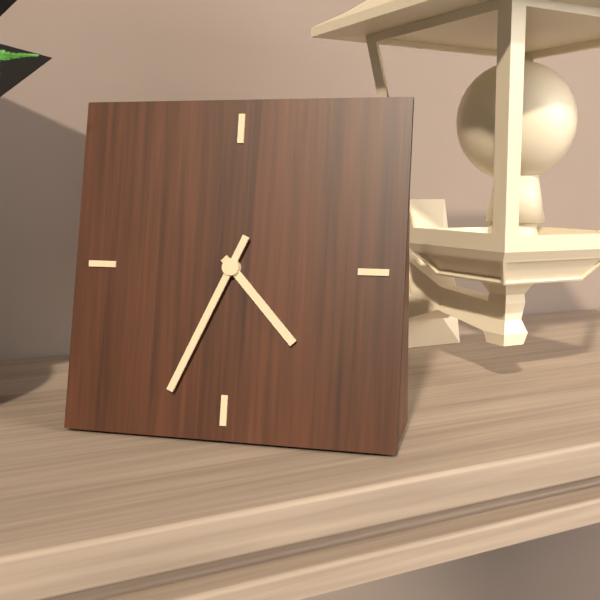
4:34
